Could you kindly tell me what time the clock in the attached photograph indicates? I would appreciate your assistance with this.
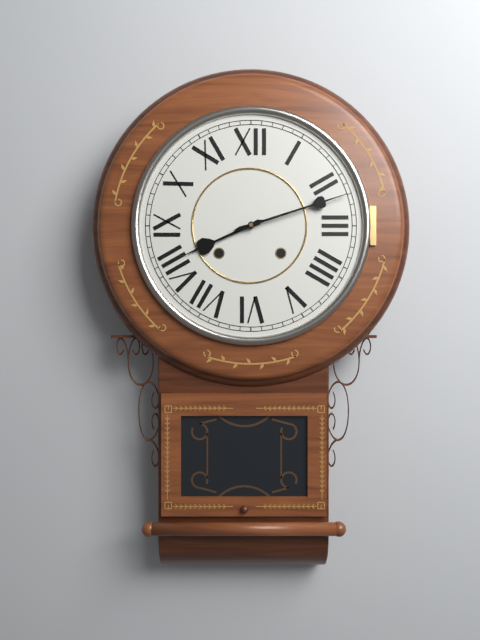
8:12
